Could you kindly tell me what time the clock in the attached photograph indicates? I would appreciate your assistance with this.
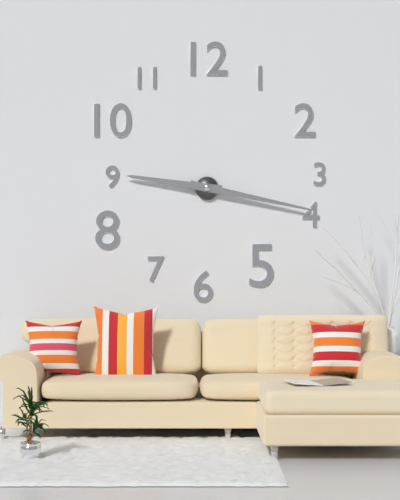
9:17
